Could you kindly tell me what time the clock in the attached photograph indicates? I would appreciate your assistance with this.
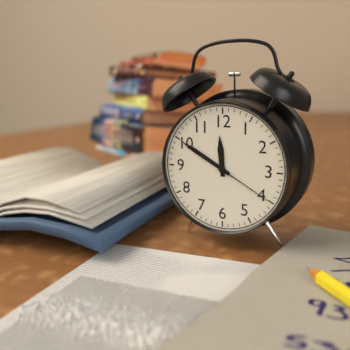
11:50:20
